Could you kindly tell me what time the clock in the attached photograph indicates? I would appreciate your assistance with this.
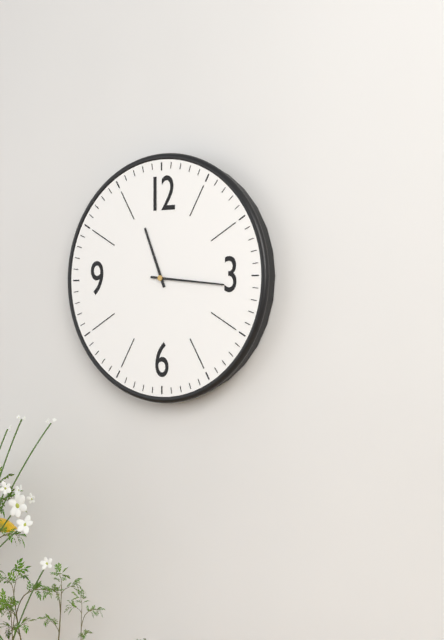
11:16
